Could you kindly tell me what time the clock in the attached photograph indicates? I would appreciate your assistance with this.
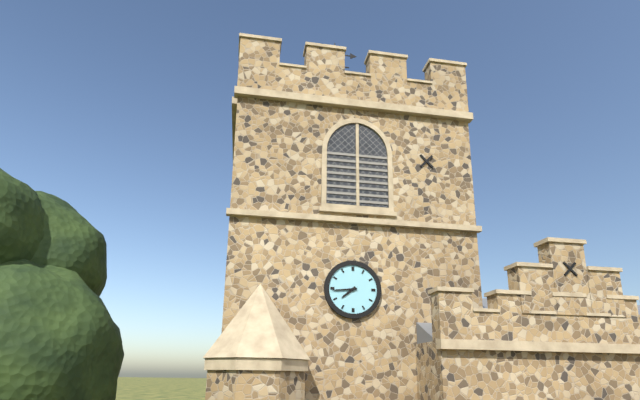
7:44
